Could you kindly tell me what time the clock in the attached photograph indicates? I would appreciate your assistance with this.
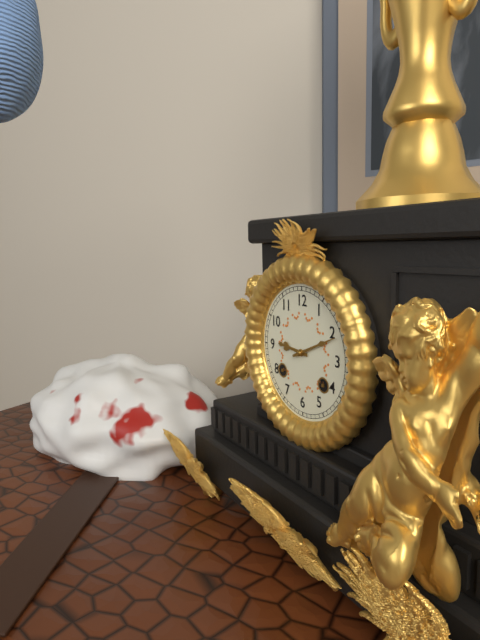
9:11
